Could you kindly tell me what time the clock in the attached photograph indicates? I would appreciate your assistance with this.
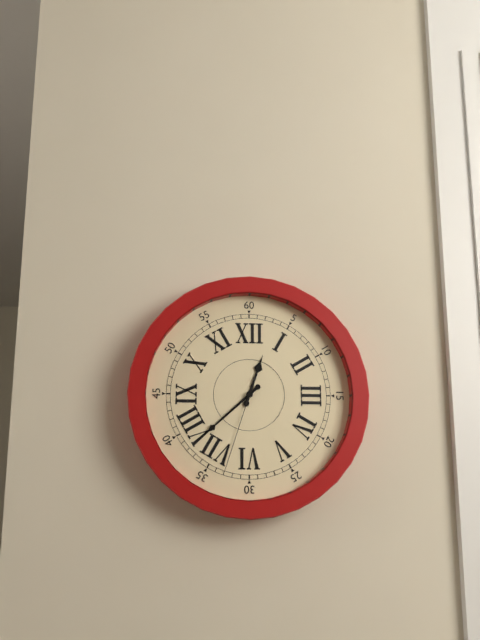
12:38:33
